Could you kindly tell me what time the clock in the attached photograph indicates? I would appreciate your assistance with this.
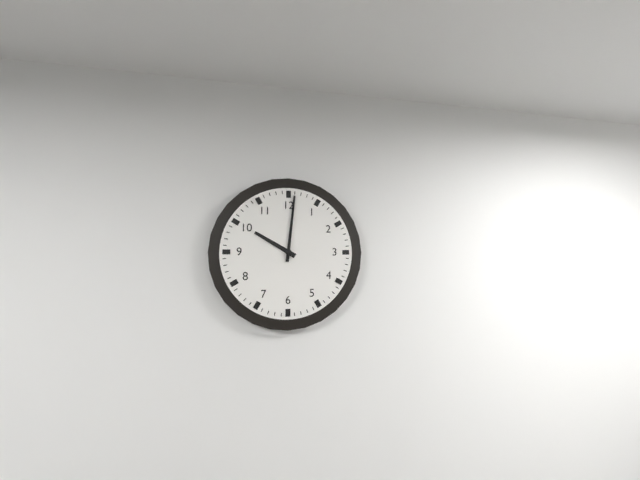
10:01
